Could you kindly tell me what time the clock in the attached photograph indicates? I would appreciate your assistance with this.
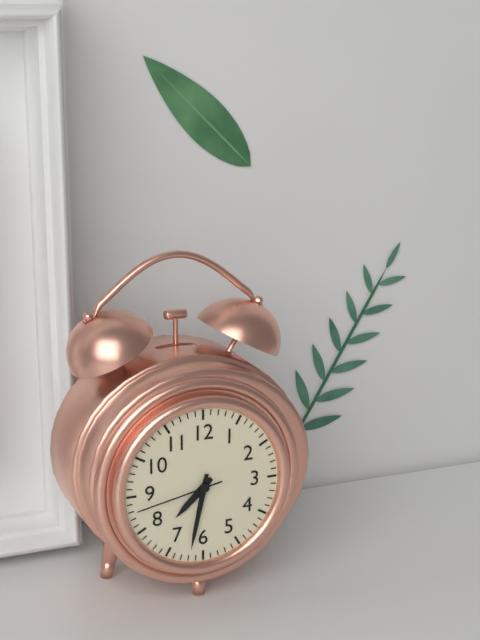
7:32:43
